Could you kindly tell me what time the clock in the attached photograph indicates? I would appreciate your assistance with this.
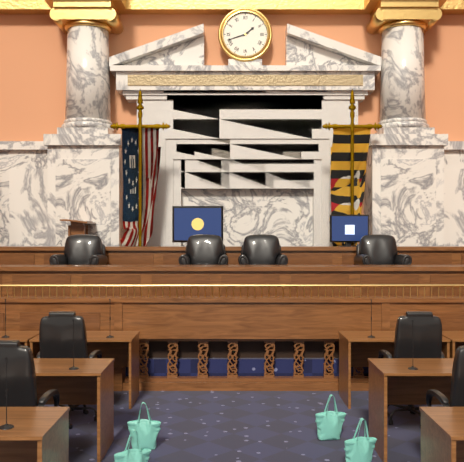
1:42
